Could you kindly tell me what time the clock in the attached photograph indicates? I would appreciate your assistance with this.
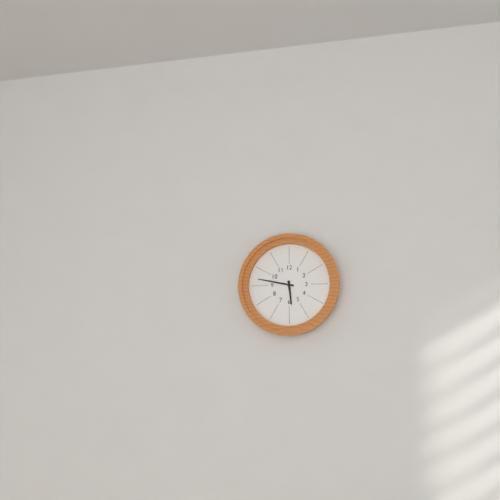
5:47
